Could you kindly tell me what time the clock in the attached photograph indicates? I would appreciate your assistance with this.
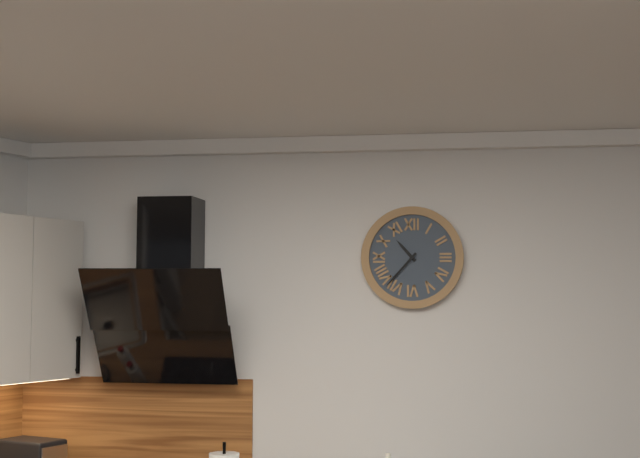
10:37
